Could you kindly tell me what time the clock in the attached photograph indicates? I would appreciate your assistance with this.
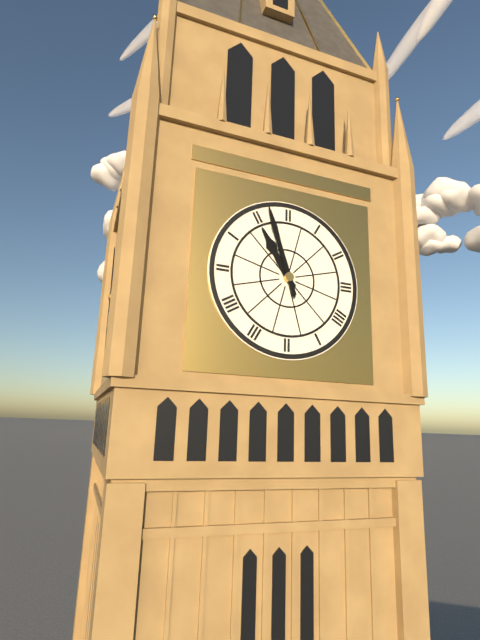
10:57
